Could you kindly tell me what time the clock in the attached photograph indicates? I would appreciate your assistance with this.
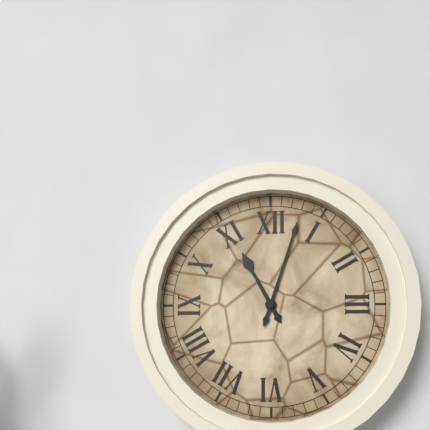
11:03
